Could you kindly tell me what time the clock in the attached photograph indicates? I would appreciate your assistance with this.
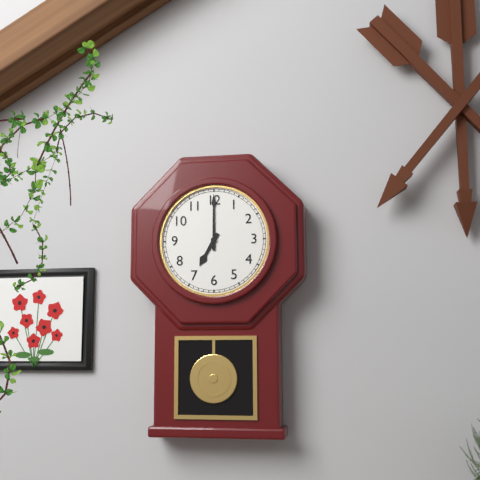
7:00
